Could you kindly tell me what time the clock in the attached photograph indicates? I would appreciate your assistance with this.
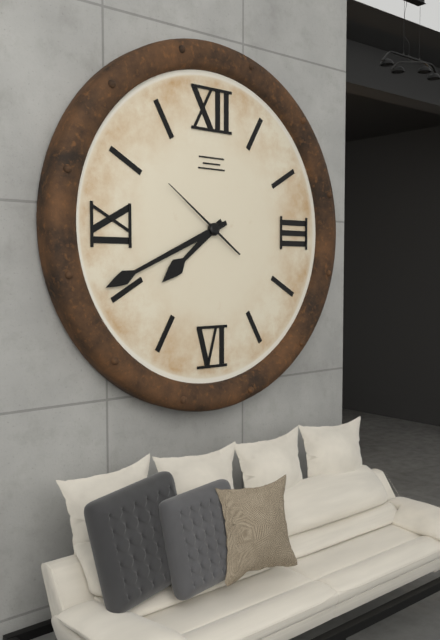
7:41:51
